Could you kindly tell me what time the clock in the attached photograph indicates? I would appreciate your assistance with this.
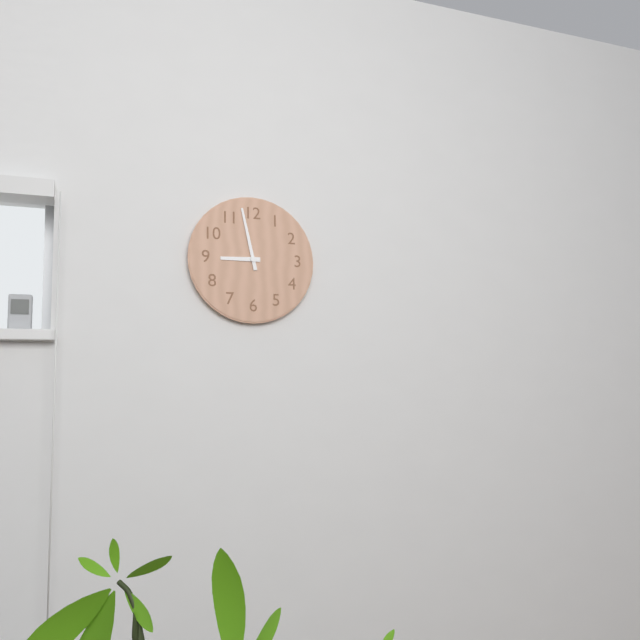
8:58
